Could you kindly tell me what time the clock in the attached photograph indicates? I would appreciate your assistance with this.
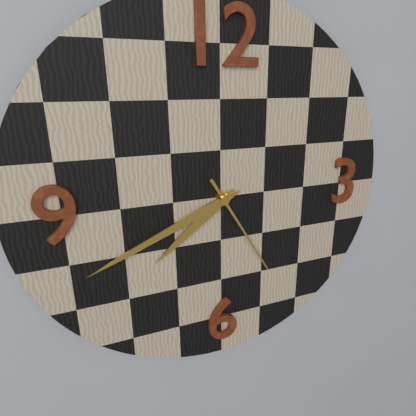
7:41:25
